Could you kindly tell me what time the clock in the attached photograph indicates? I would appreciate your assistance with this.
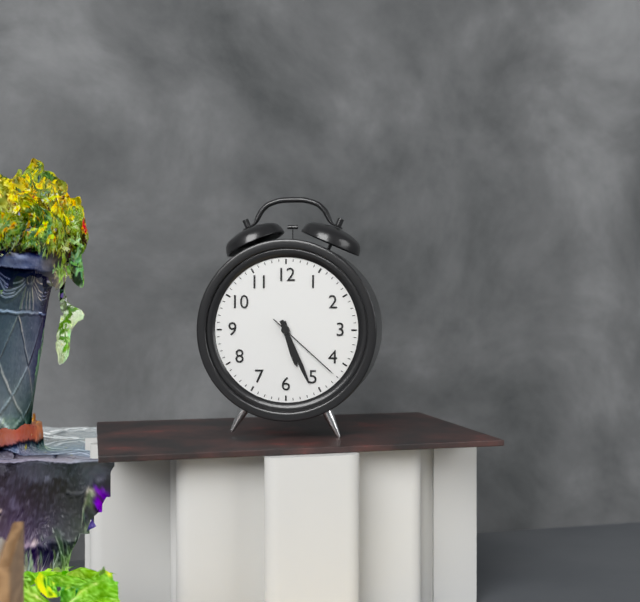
5:26:22
